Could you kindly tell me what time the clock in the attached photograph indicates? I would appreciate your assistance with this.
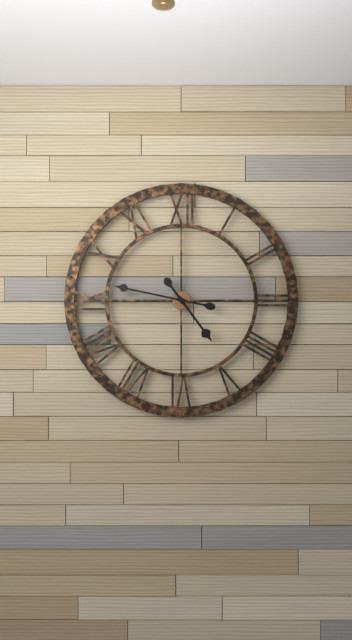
4:47
